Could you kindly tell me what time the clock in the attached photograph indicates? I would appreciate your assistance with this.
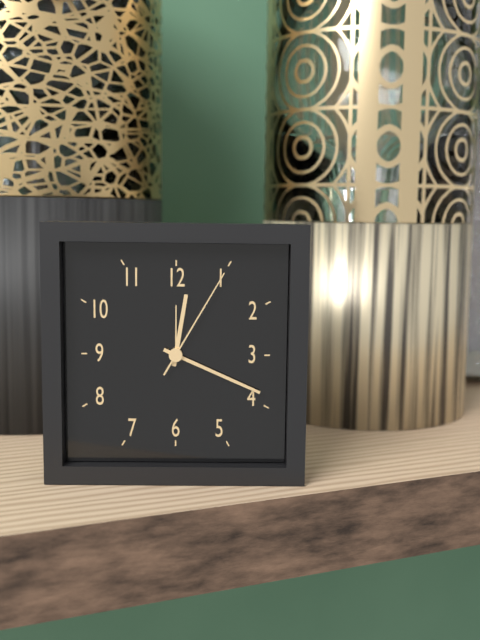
12:19:05
